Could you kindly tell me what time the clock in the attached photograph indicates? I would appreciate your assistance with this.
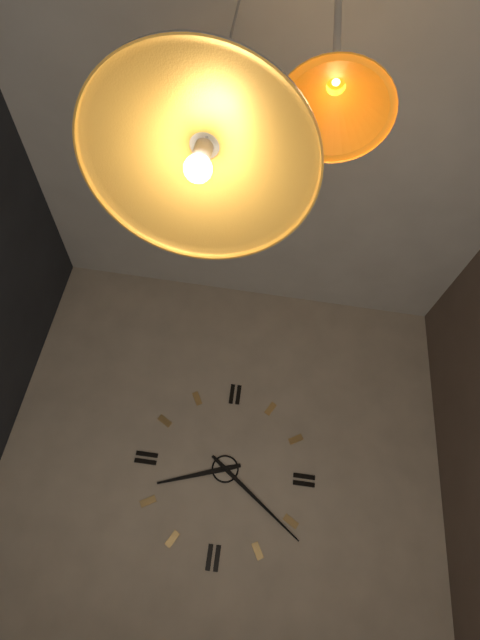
8:21
